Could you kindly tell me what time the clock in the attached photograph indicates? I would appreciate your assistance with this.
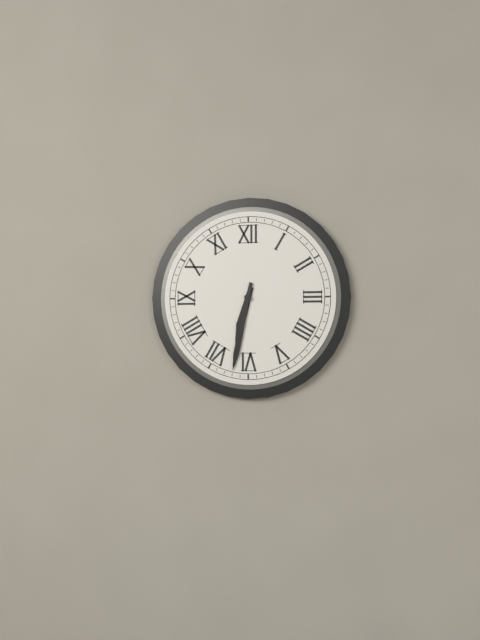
6:32
